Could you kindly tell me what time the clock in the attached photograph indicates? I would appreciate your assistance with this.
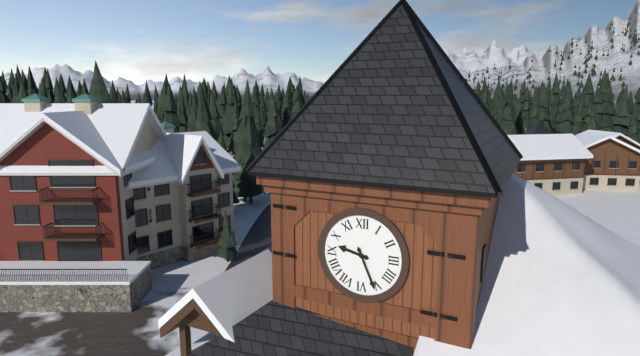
9:26
